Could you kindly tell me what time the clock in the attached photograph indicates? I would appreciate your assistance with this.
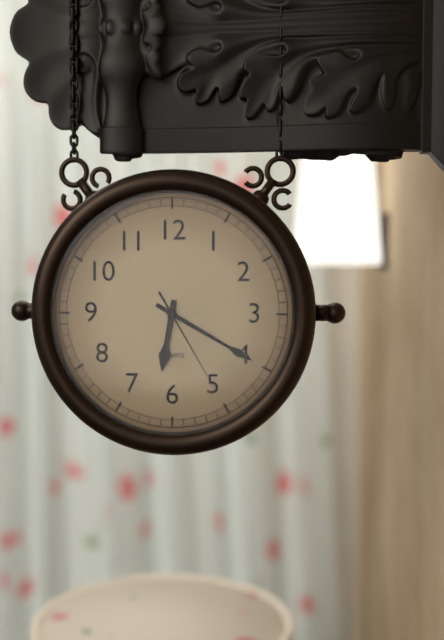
6:20:25
